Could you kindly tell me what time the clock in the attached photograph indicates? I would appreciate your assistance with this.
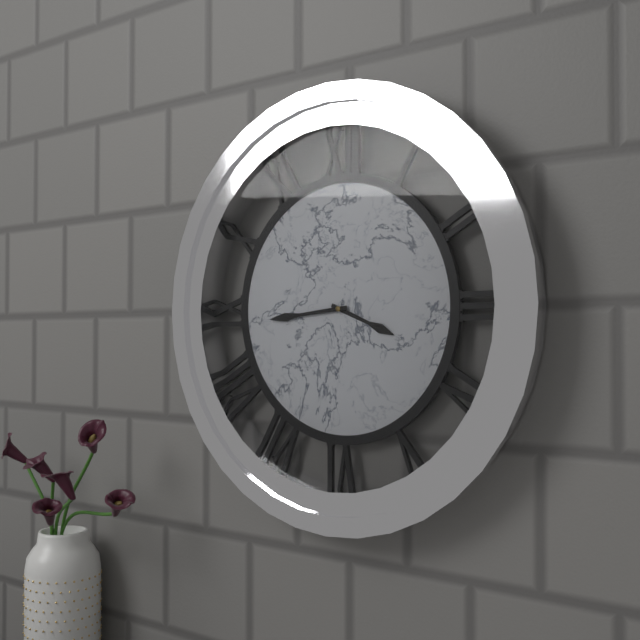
3:44
